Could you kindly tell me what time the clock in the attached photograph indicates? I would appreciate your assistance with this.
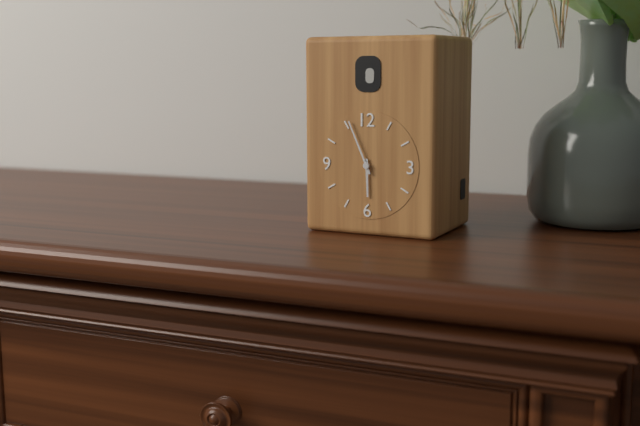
5:56
